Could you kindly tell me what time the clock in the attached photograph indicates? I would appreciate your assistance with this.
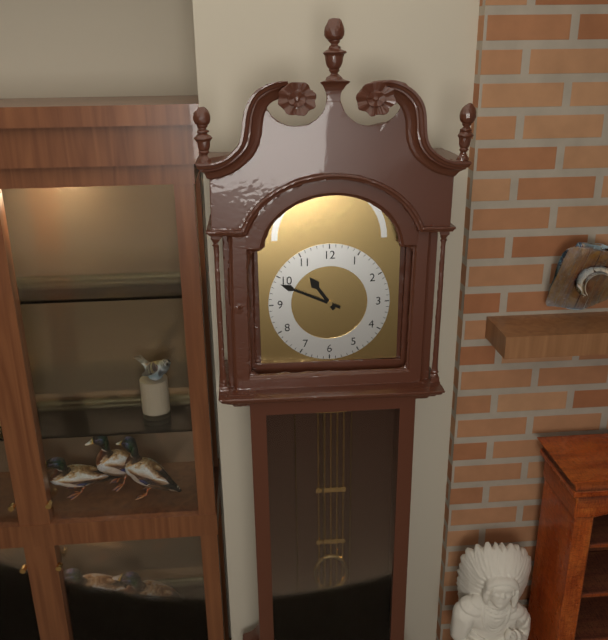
10:49
